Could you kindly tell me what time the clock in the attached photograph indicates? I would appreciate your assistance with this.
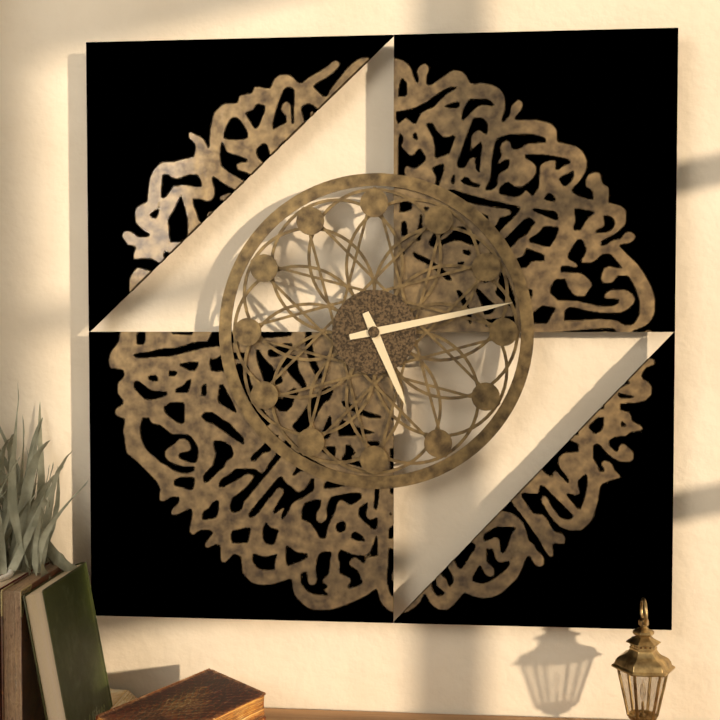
5:13
